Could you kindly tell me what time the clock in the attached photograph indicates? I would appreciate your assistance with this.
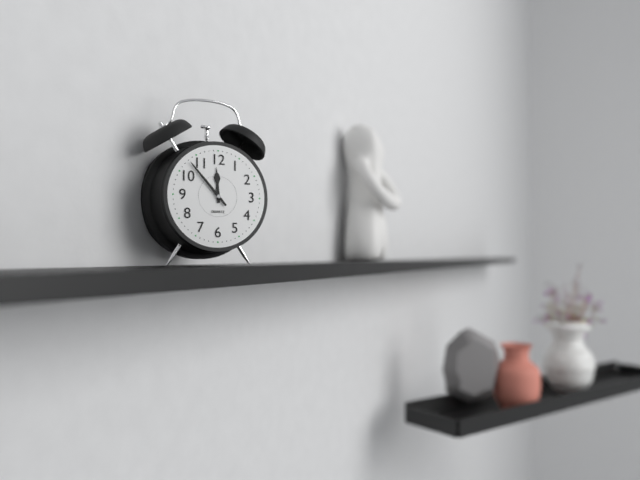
11:53
